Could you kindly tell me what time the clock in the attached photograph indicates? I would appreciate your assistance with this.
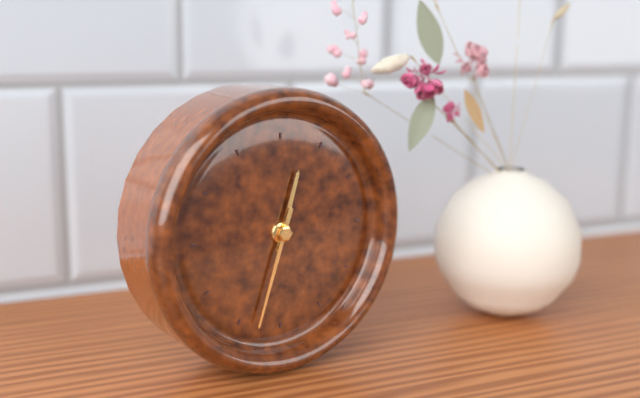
12:33
